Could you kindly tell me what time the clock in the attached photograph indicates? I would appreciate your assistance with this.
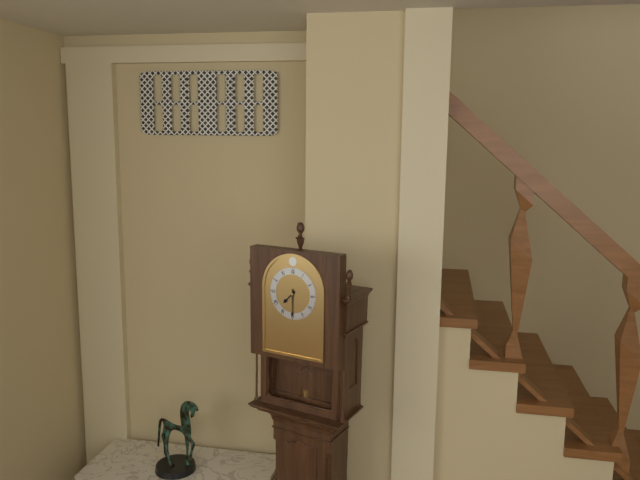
7:30
